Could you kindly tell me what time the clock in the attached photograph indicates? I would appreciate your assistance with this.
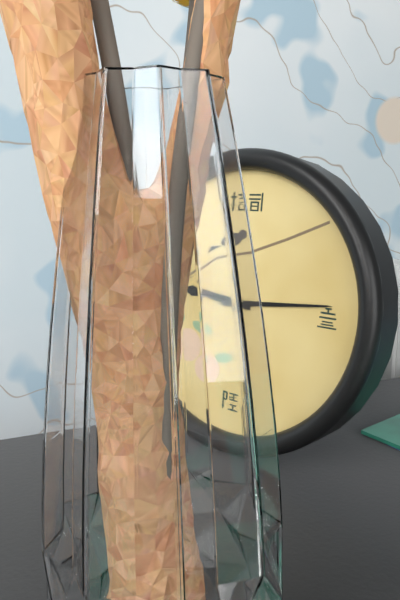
9:14
